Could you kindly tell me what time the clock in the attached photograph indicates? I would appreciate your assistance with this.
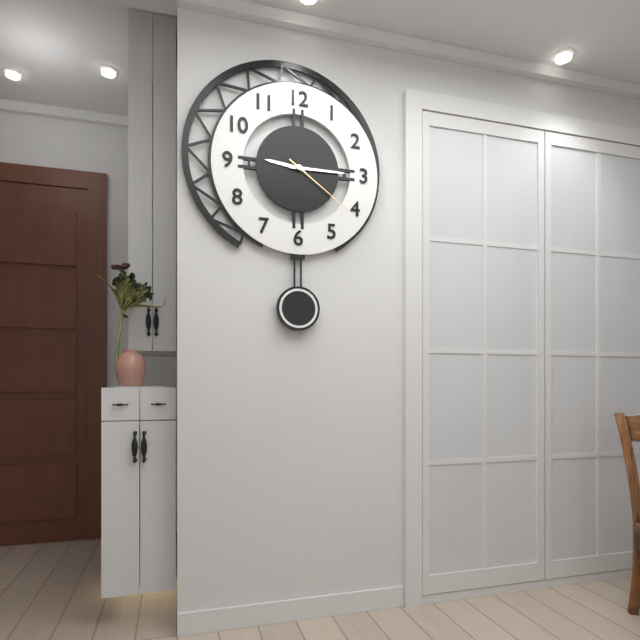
9:15:21
